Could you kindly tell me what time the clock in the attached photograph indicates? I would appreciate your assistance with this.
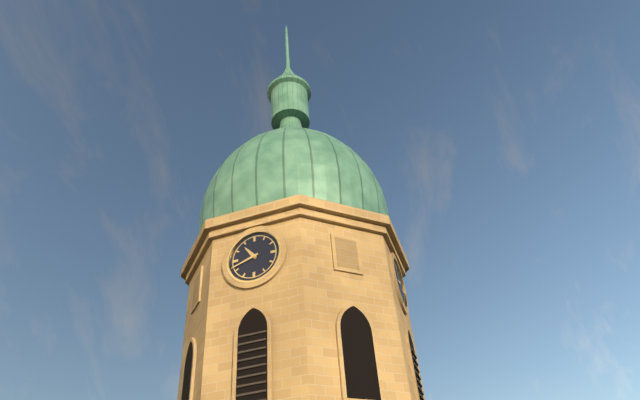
10:42
